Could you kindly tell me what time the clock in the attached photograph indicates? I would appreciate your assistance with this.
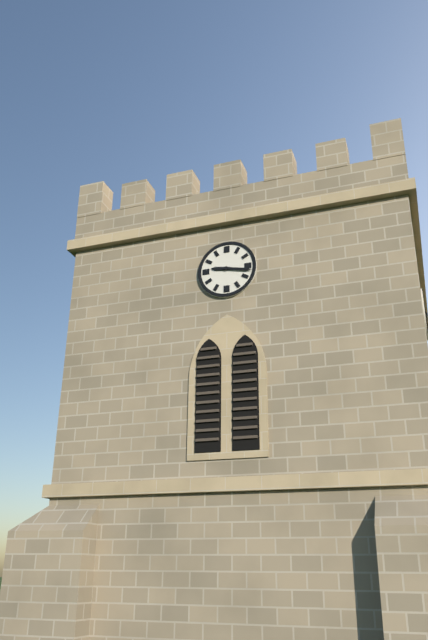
9:17
